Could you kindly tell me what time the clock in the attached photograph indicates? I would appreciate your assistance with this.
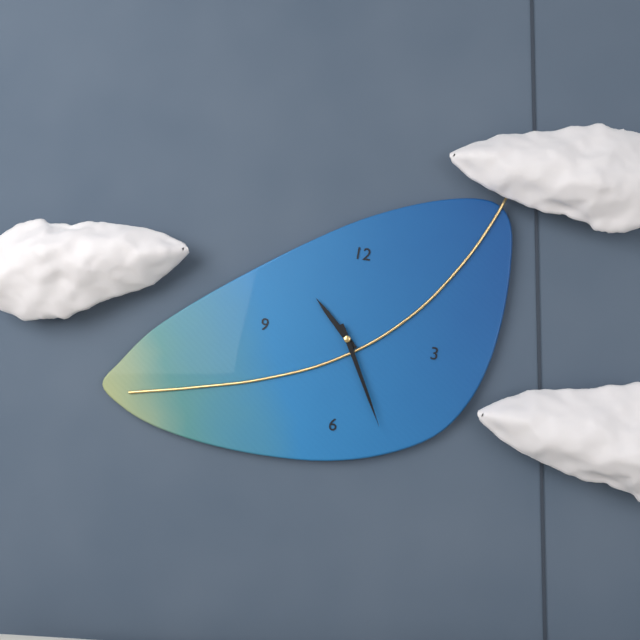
10:25
